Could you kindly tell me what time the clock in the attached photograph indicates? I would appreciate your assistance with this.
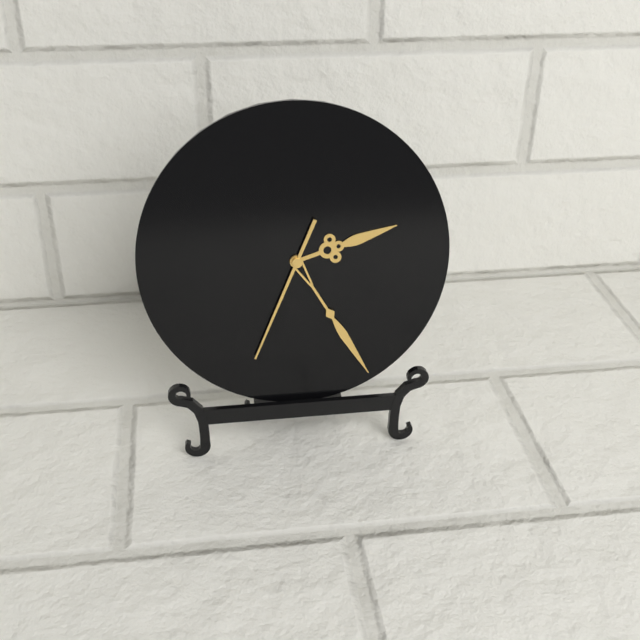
2:25:34
